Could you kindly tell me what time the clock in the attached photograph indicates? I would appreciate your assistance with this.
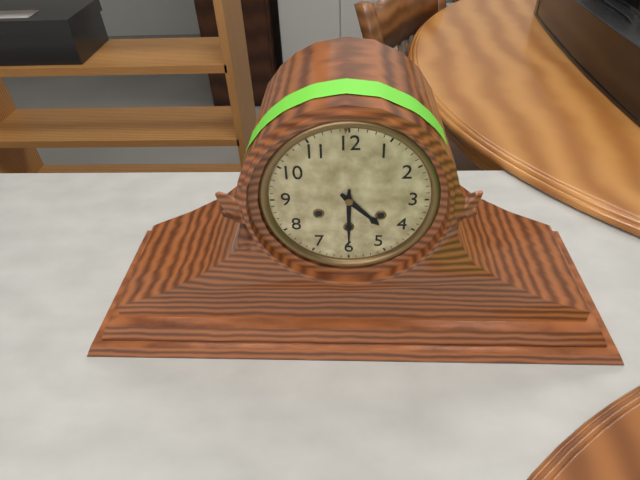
4:30
